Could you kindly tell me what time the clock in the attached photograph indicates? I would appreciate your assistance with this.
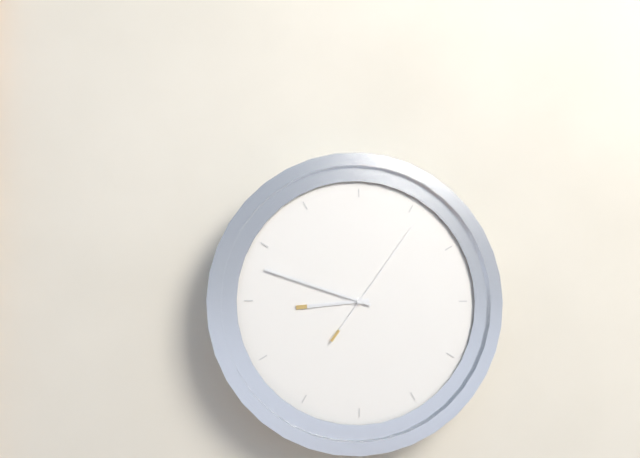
8:48:06
